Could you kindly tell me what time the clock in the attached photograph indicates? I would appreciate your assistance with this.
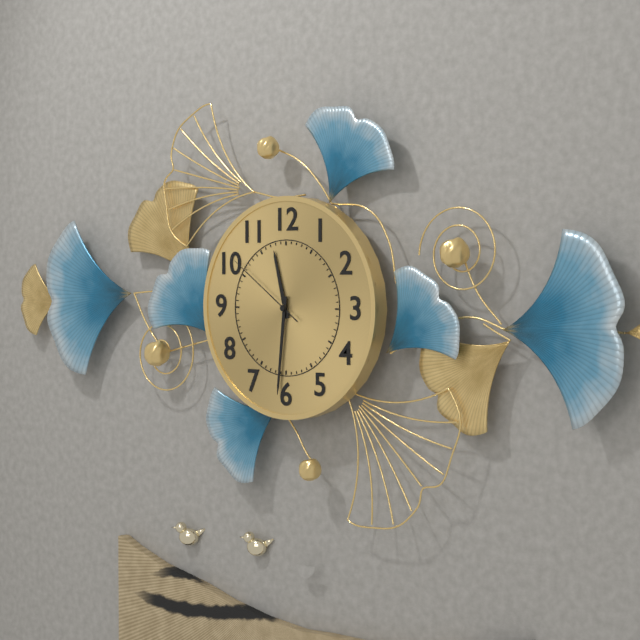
11:31:51
